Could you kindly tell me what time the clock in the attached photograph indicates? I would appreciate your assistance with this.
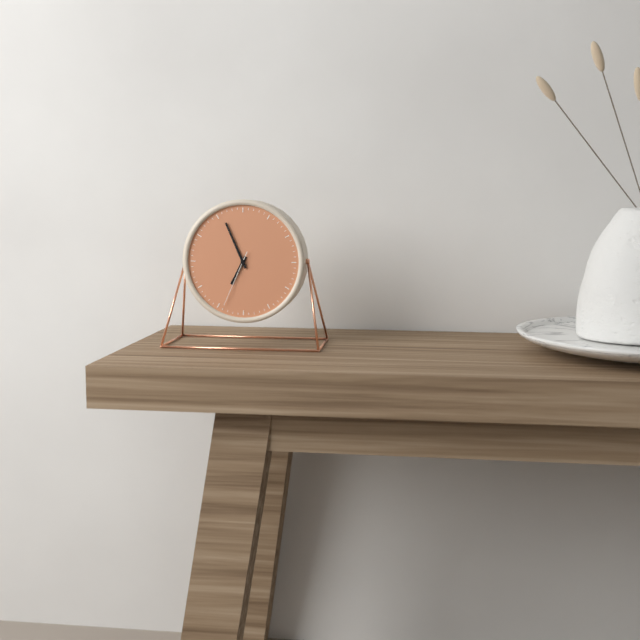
6:56:34
